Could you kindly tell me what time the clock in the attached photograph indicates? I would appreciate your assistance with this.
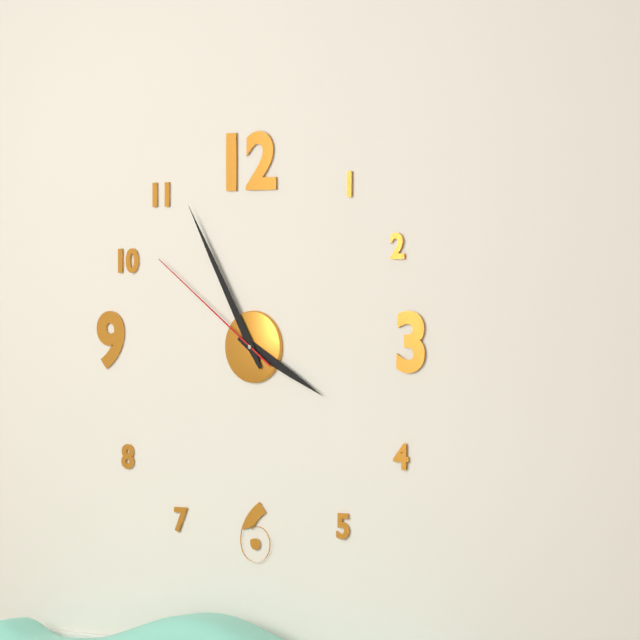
3:55:51
